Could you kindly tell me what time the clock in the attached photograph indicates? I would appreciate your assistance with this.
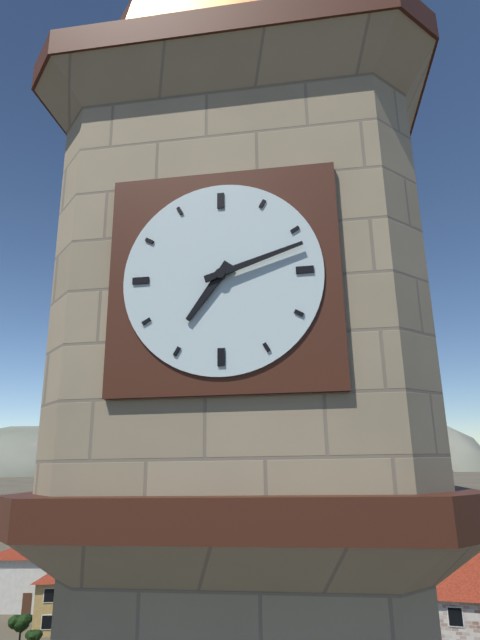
7:12
